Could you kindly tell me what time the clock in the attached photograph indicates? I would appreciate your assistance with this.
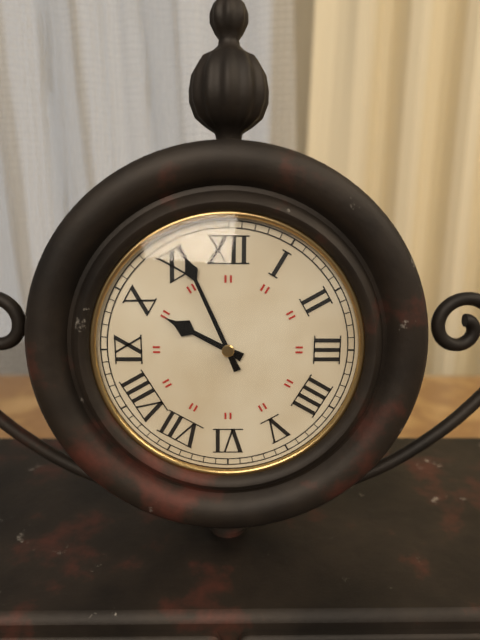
9:56
